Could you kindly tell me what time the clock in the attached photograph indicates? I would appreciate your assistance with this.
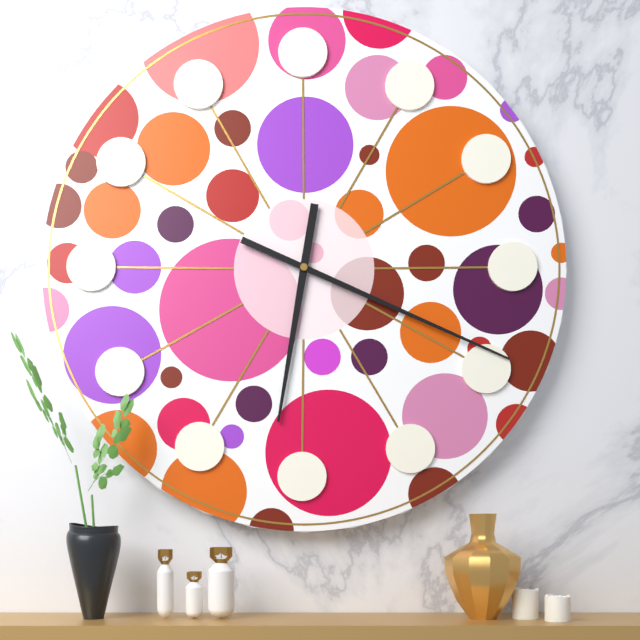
6:19
